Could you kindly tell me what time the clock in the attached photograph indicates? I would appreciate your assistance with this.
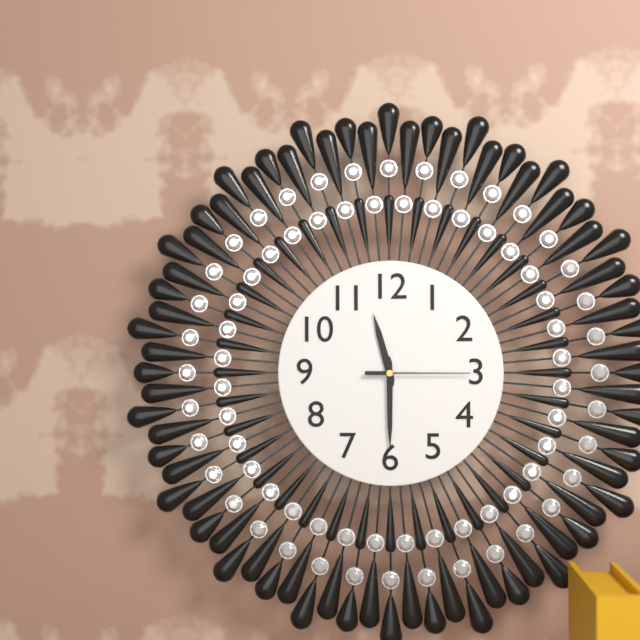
11:30:15
